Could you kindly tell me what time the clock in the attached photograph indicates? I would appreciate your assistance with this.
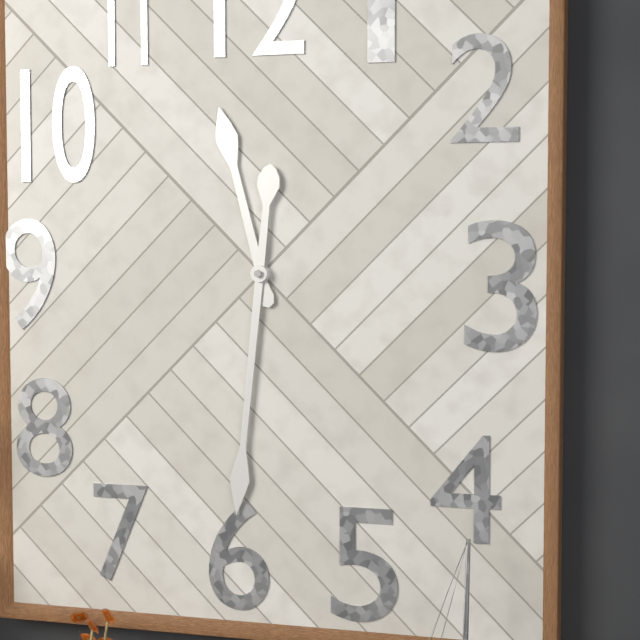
11:31
